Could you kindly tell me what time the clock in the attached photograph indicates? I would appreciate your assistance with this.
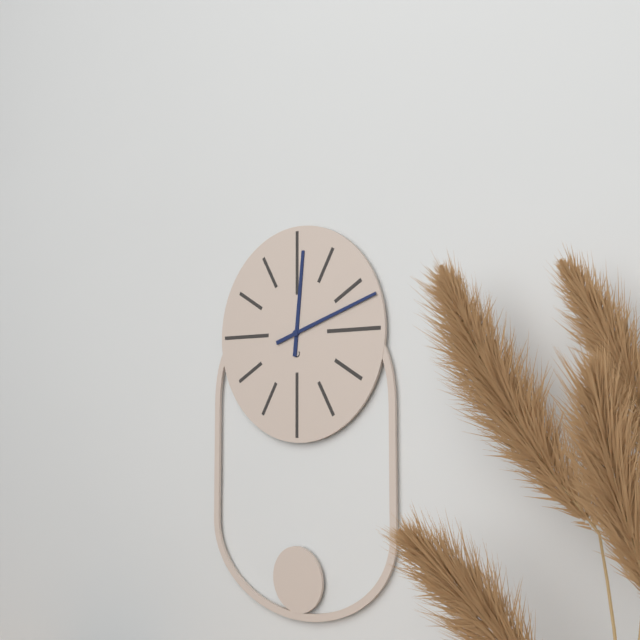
12:12
